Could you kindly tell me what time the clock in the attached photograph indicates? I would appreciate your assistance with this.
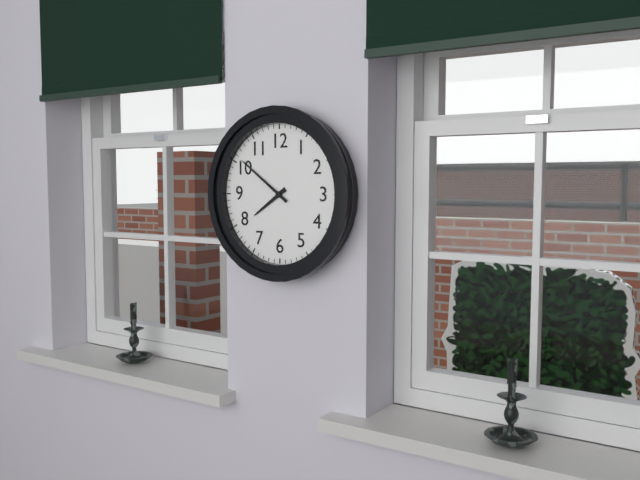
7:51
